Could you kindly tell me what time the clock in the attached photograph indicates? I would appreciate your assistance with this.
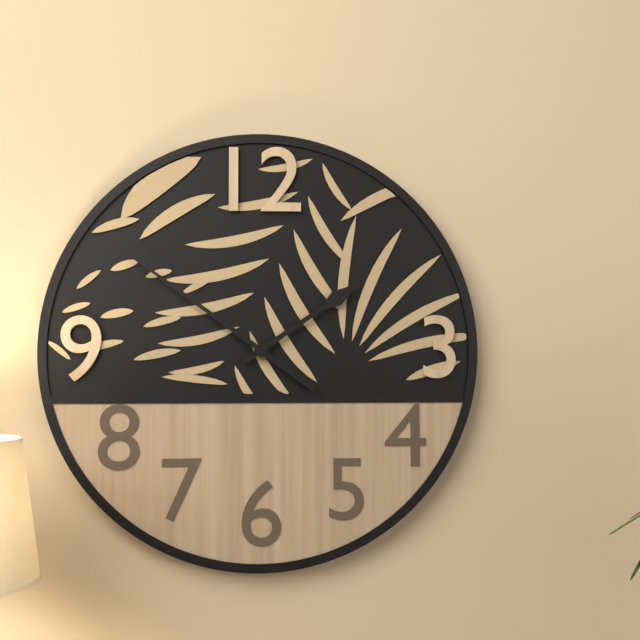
1:51
